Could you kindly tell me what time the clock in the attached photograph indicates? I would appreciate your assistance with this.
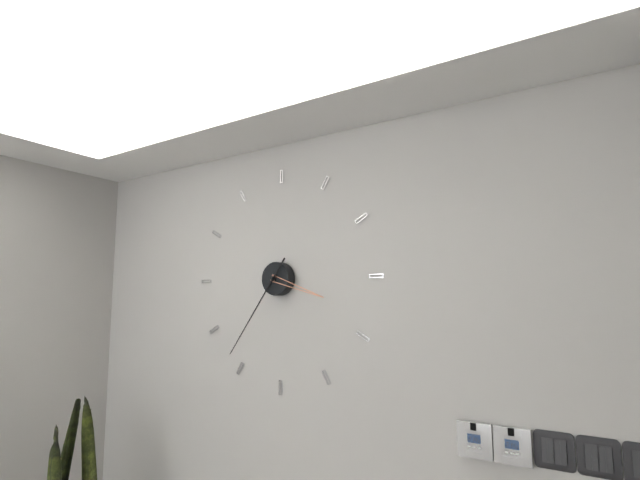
3:36
